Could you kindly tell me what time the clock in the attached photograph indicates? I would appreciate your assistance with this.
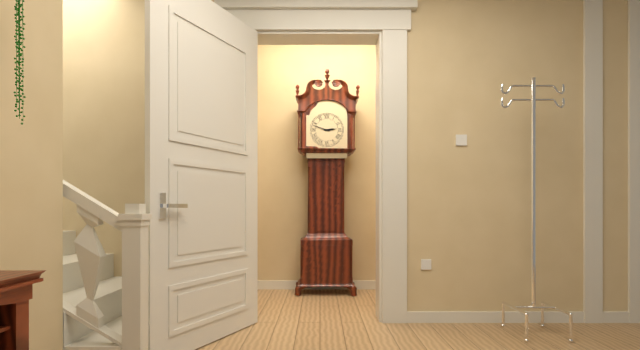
2:48
